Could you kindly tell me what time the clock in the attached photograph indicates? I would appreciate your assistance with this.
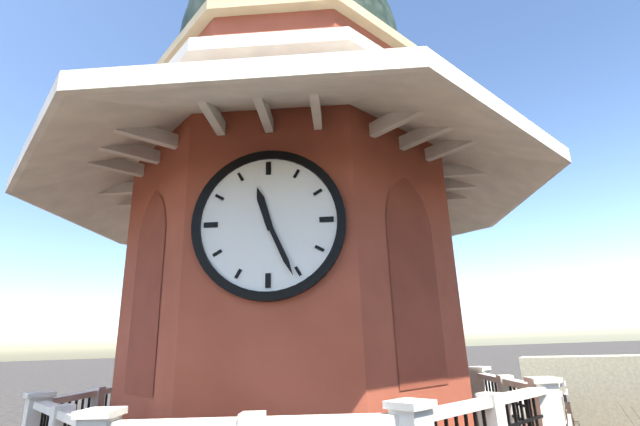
11:26
